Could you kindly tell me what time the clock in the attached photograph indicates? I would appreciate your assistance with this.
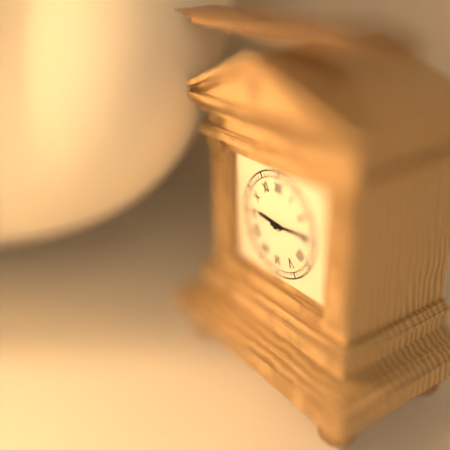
9:14
